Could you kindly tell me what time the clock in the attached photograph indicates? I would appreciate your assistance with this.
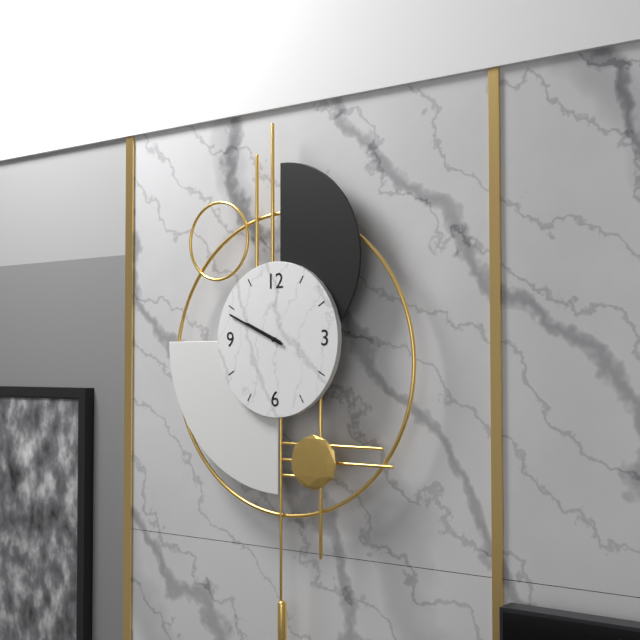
9:49
